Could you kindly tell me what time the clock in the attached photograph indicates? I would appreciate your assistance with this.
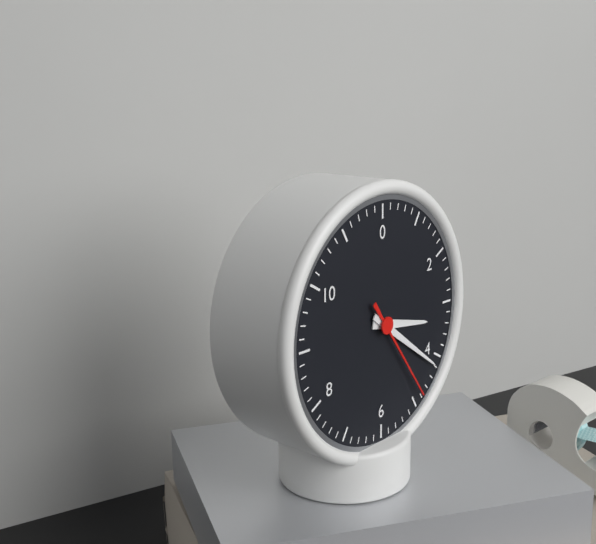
3:21:24
